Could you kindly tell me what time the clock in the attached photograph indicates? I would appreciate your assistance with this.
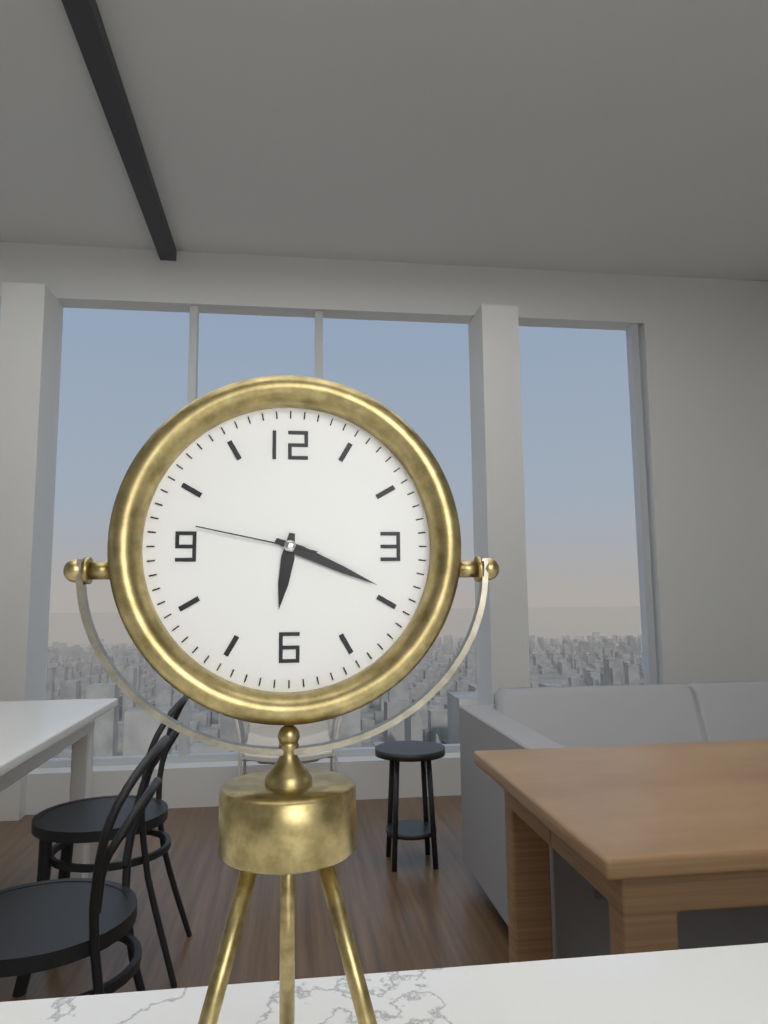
6:19:47
